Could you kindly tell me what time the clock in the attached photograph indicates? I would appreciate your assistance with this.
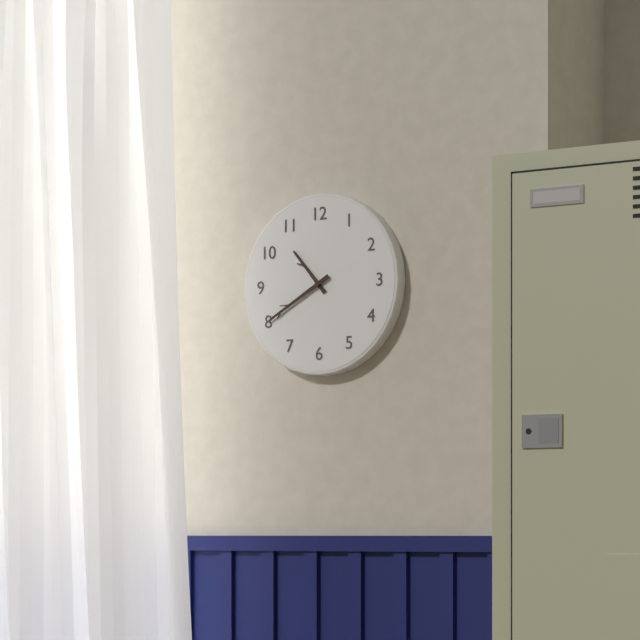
10:40
